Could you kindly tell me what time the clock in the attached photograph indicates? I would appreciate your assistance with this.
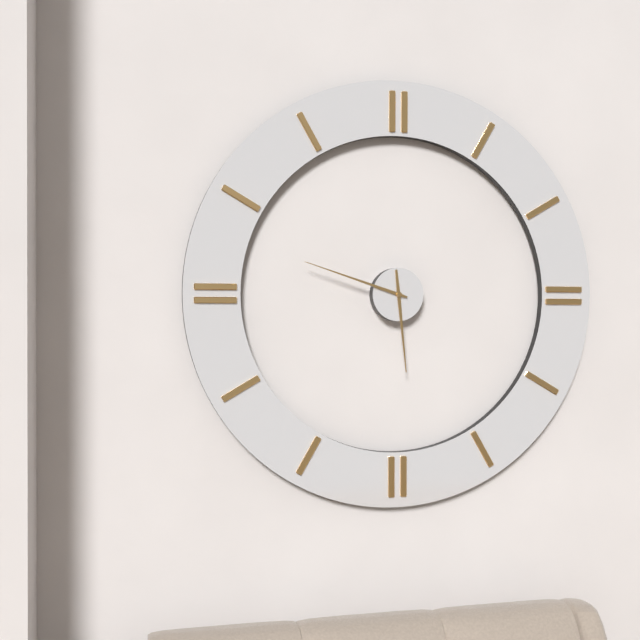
5:48
